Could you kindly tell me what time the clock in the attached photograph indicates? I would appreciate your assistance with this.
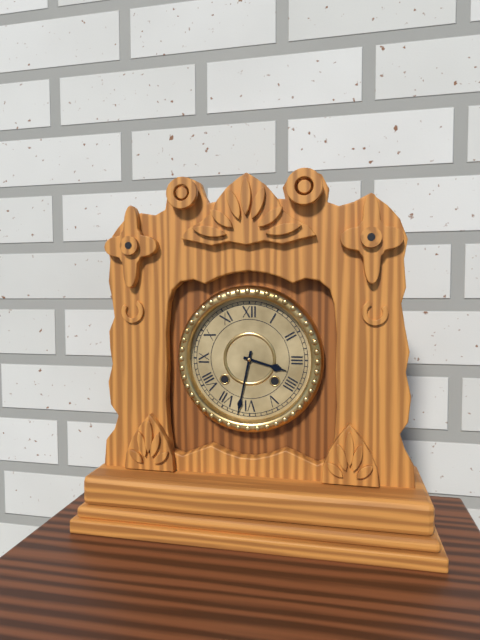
3:32
